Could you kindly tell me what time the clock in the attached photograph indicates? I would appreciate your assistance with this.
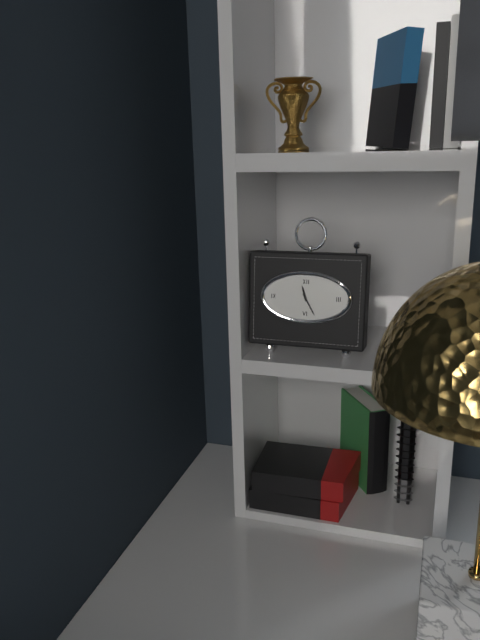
11:25
